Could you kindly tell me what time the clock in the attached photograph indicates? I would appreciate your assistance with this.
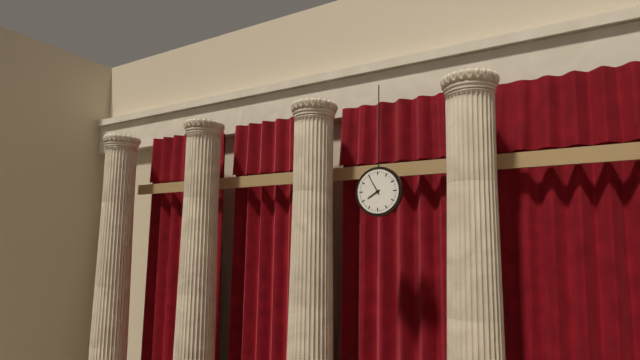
7:55
